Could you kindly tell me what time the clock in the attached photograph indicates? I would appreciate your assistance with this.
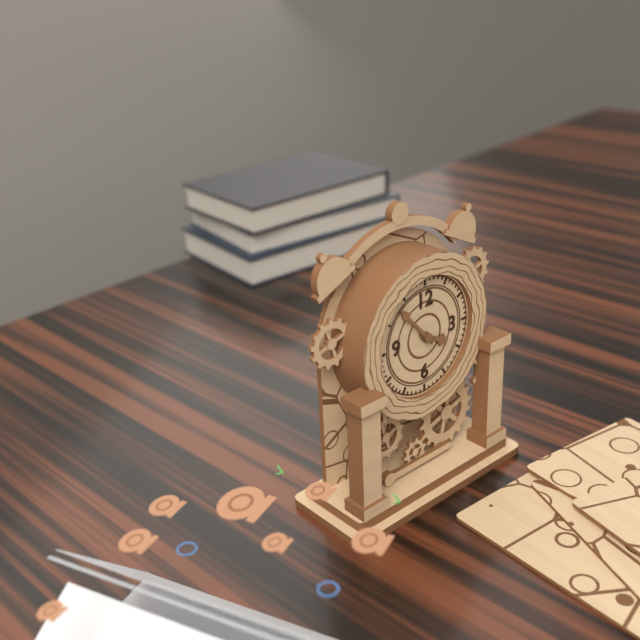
3:53
